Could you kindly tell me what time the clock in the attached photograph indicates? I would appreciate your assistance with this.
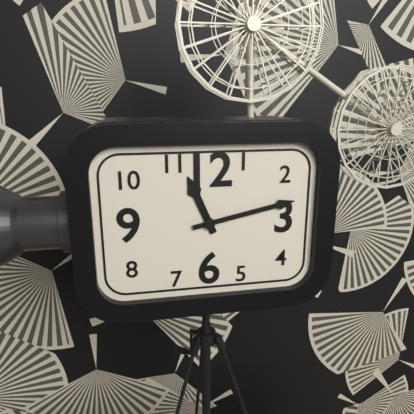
11:13
